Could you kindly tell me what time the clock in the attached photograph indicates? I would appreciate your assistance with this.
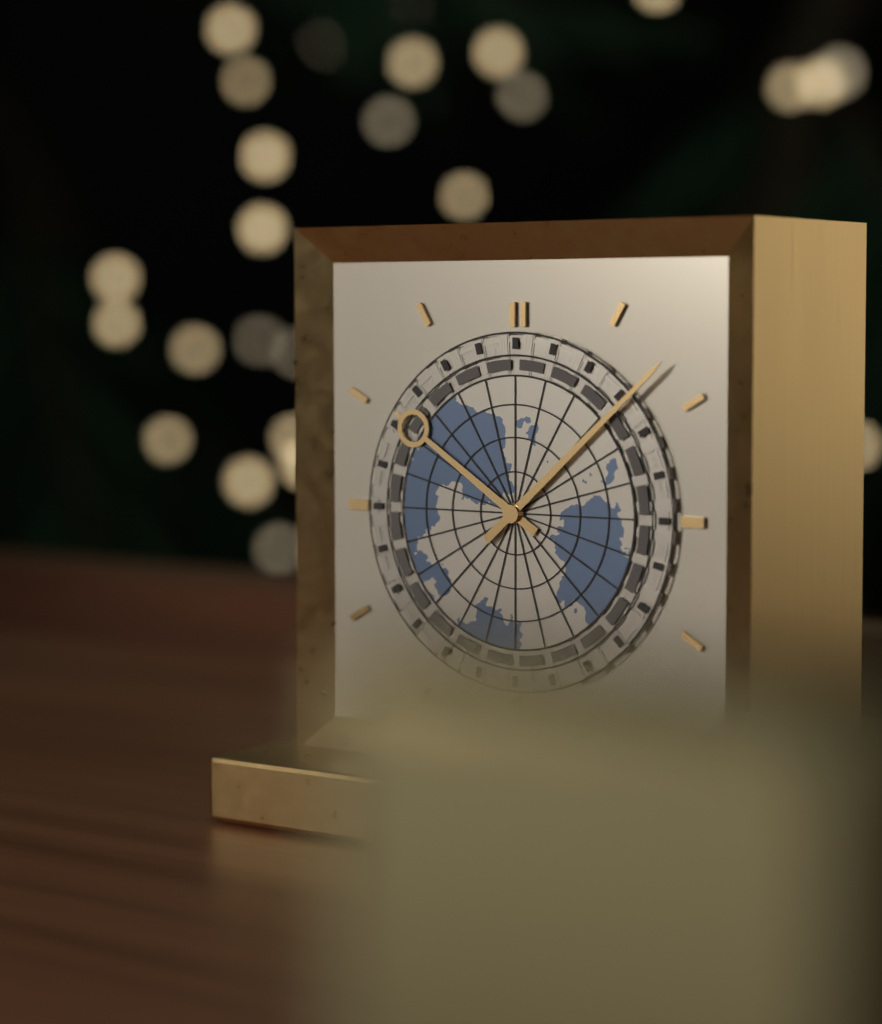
10:08
